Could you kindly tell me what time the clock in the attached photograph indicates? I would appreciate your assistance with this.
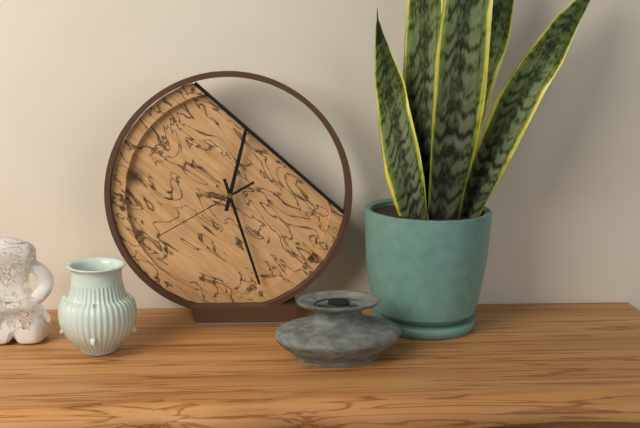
12:27:40
